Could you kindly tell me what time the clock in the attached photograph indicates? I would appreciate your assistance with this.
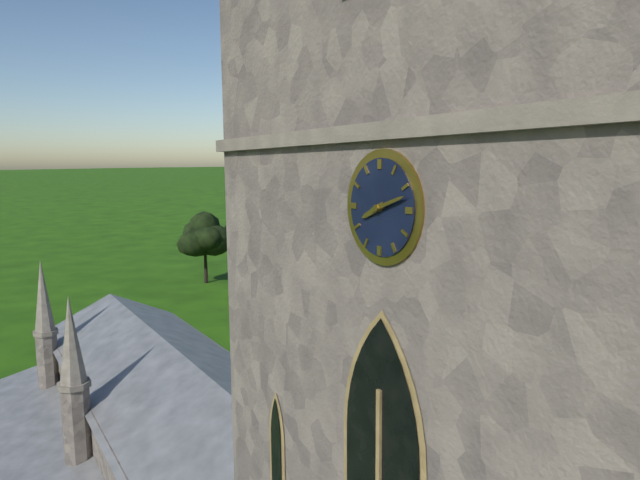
8:12
